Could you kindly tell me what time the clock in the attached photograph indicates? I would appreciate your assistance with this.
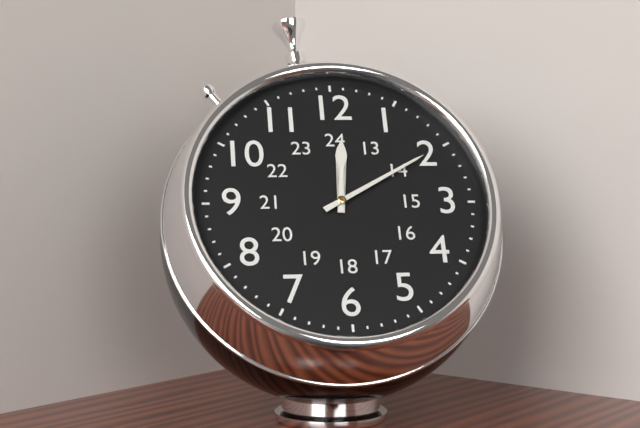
12:10
